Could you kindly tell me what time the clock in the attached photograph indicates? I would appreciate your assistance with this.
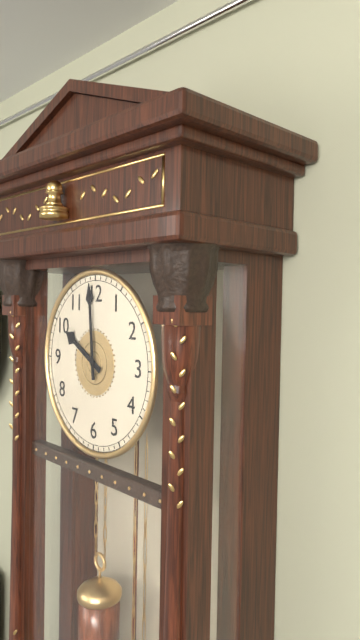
9:59
